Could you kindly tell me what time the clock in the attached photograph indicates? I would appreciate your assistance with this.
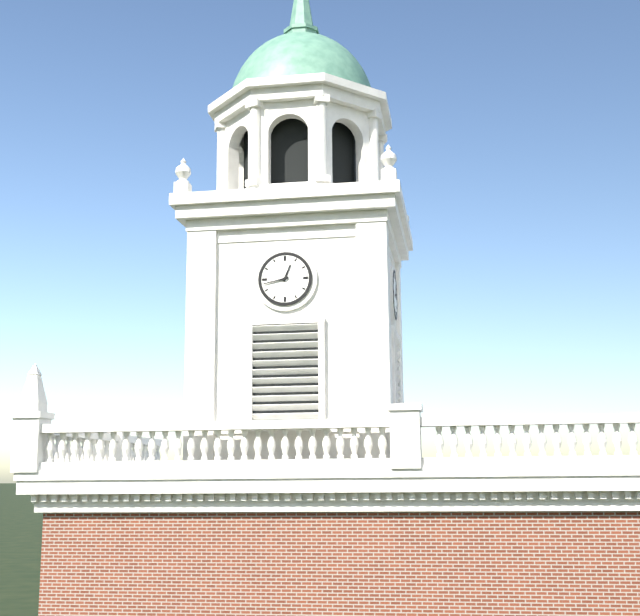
12:43
